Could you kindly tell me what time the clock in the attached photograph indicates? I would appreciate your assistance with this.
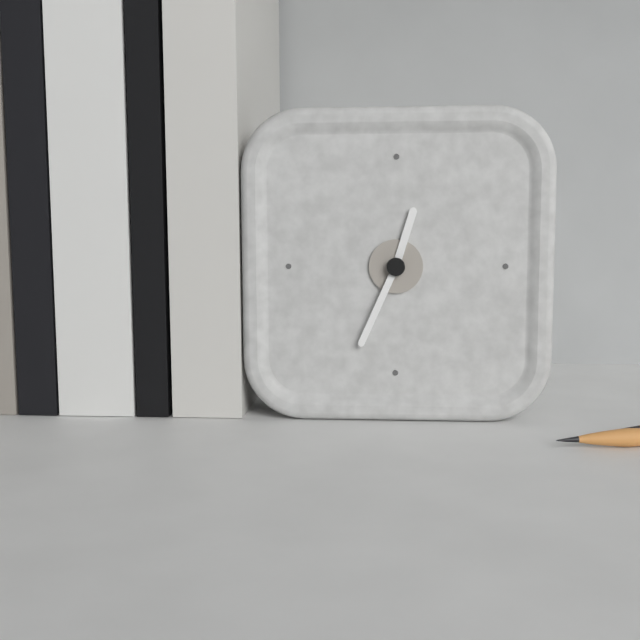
12:34
